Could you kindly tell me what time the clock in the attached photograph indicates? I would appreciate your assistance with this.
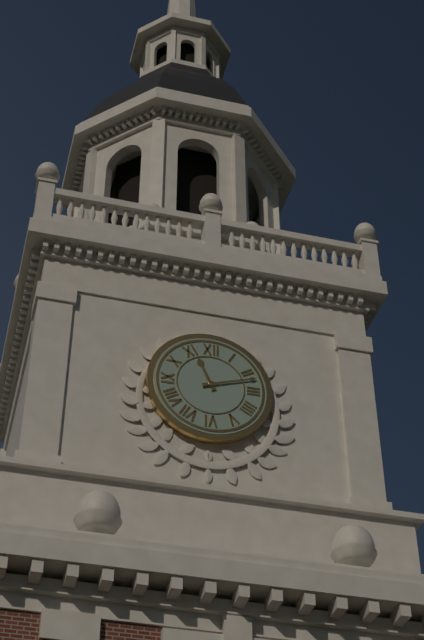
11:12
